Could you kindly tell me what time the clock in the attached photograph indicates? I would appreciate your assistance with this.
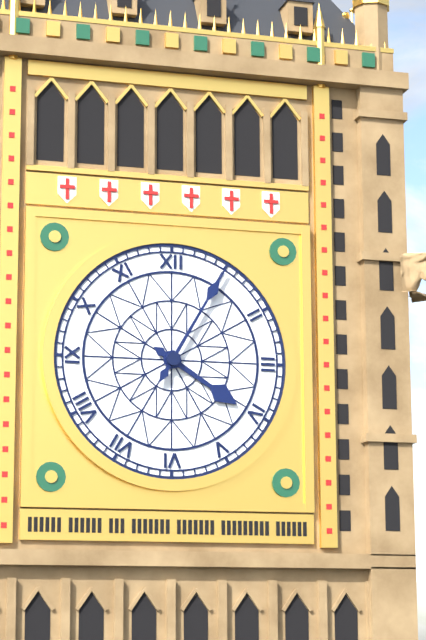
4:05
